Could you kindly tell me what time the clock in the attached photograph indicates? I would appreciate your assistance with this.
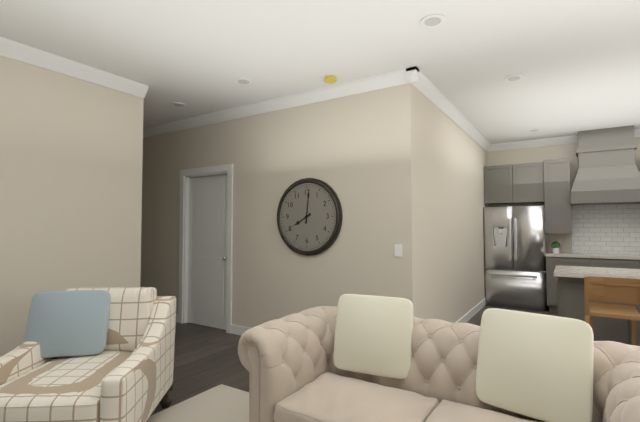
8:01
